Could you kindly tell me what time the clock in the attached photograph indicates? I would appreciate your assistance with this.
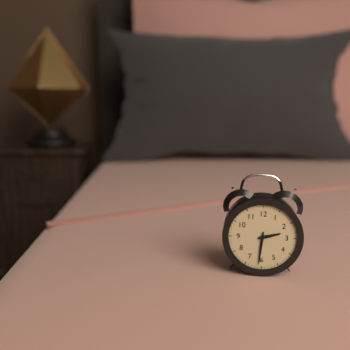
2:31
